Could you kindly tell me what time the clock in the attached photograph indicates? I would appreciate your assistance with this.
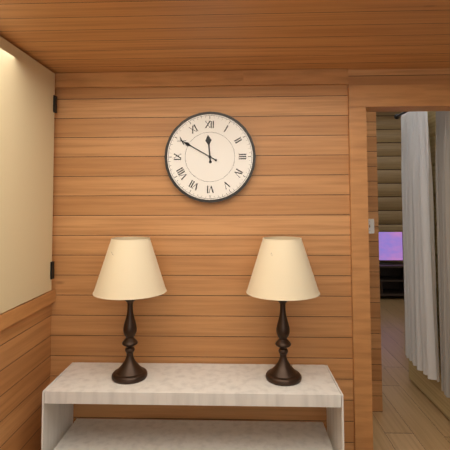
11:50
